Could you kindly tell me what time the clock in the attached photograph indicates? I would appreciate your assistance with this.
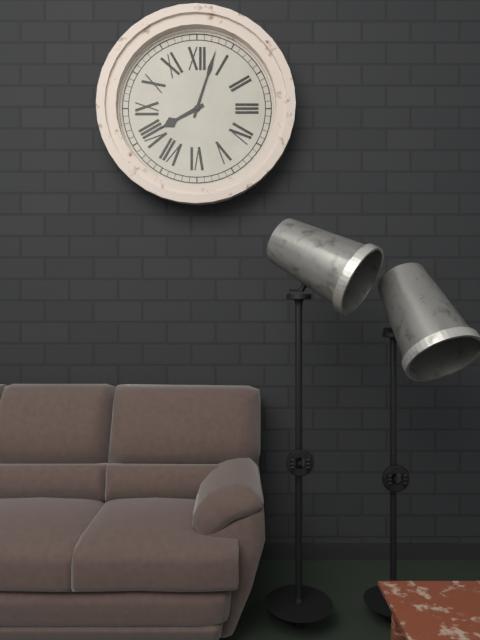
8:03
